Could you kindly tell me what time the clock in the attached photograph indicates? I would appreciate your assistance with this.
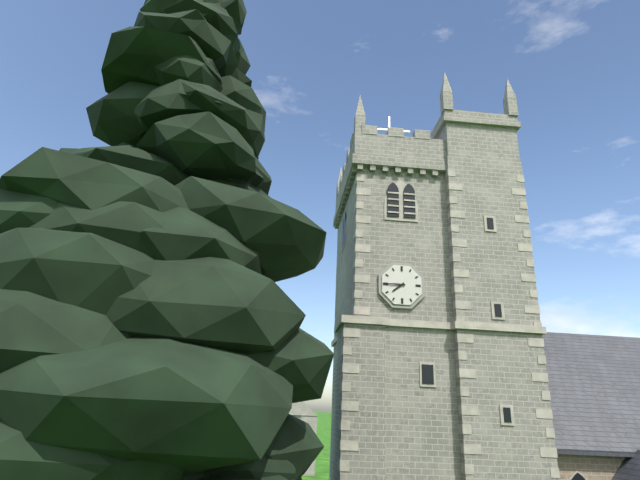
7:45
